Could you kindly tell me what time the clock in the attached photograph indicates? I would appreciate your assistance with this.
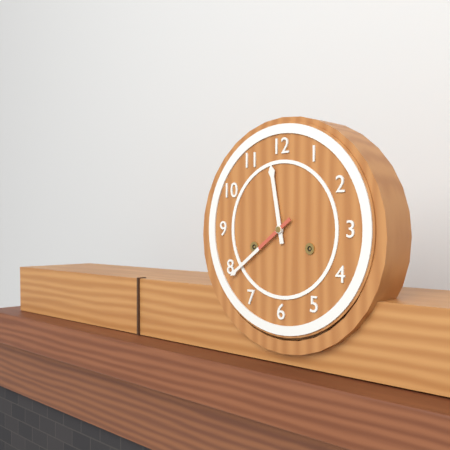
11:39
